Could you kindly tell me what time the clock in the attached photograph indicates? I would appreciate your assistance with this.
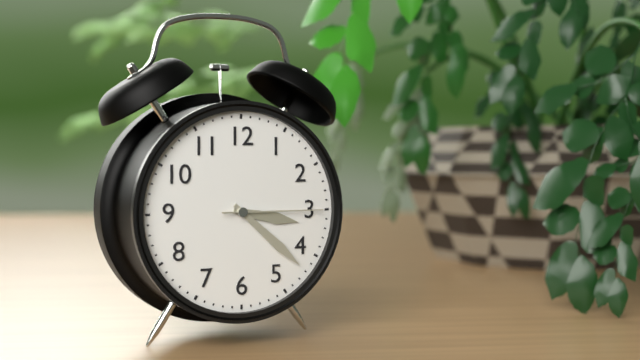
3:22:15
